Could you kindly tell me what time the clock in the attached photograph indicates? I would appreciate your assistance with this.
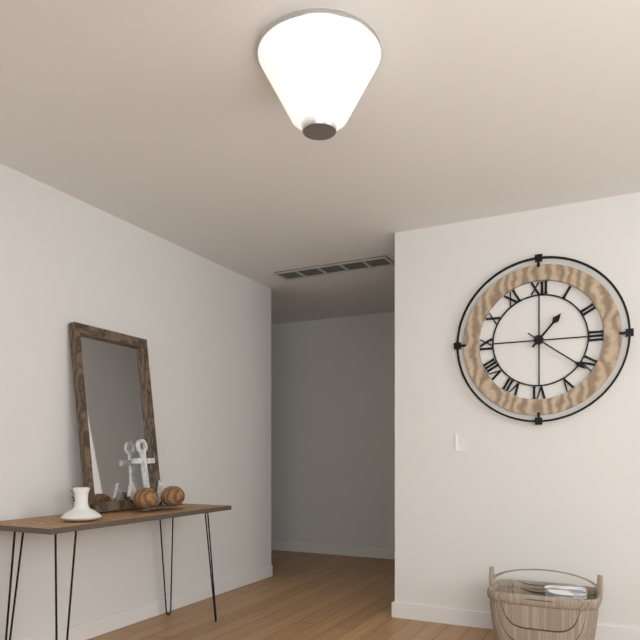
1:21
